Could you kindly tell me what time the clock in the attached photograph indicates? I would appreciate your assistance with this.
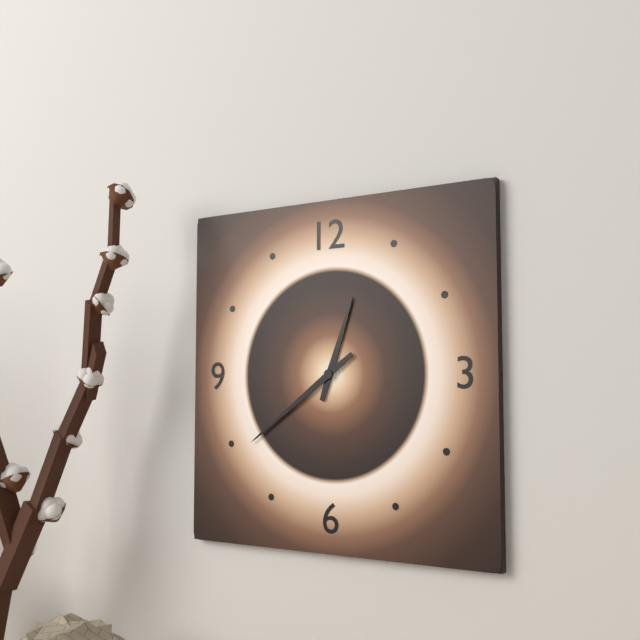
12:39
